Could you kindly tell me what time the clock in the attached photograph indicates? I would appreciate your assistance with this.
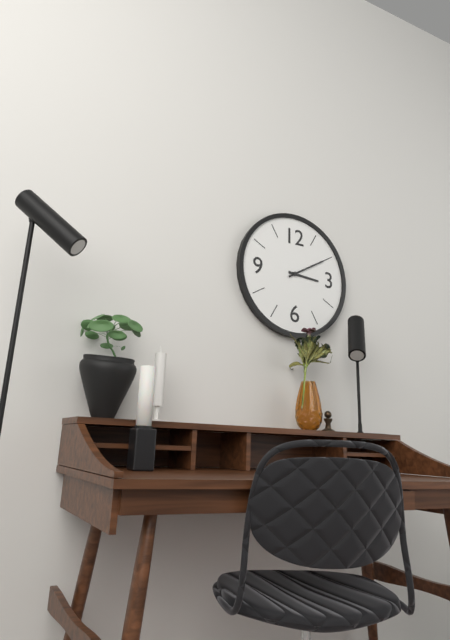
3:10
